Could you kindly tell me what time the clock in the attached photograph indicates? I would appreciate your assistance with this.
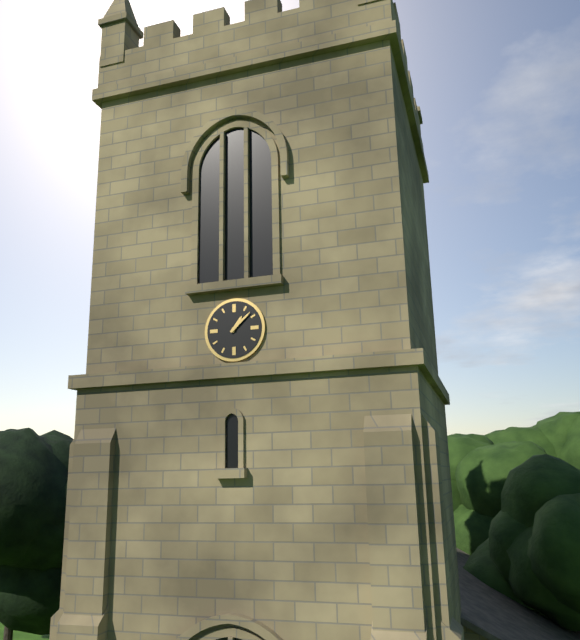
1:08
